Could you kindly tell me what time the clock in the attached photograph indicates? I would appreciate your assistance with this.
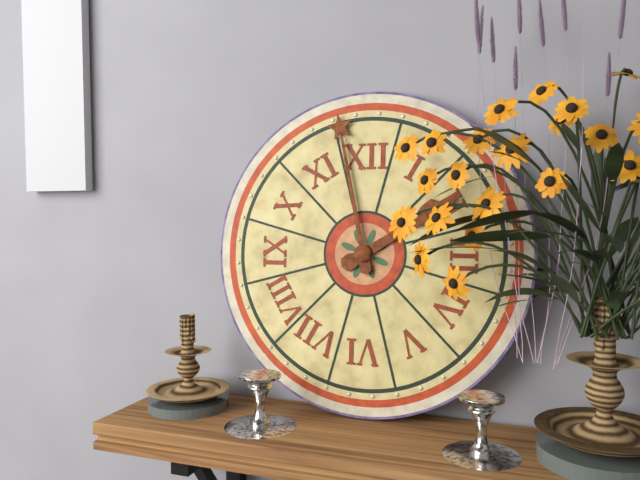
1:58
